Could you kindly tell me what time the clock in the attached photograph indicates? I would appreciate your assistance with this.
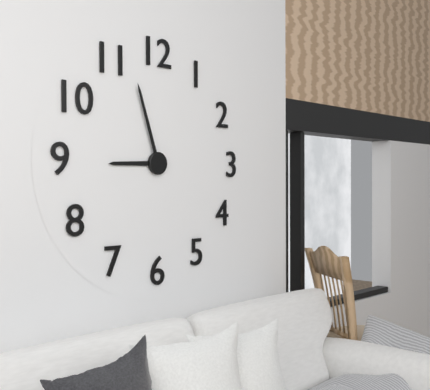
8:57
